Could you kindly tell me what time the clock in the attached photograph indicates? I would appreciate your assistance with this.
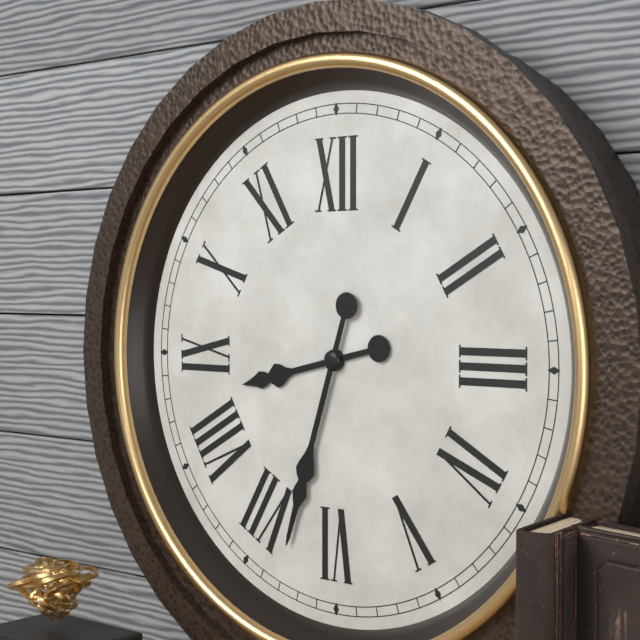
8:33
